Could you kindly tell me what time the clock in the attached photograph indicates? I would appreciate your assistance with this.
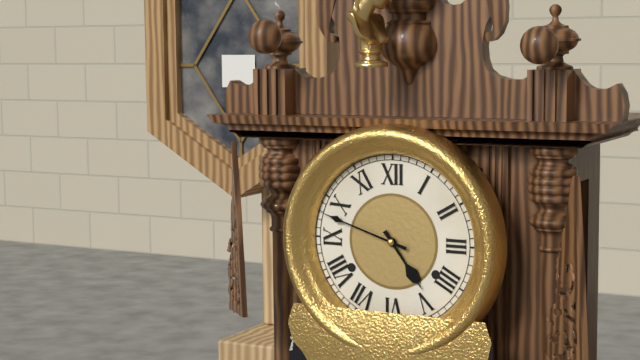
4:48
